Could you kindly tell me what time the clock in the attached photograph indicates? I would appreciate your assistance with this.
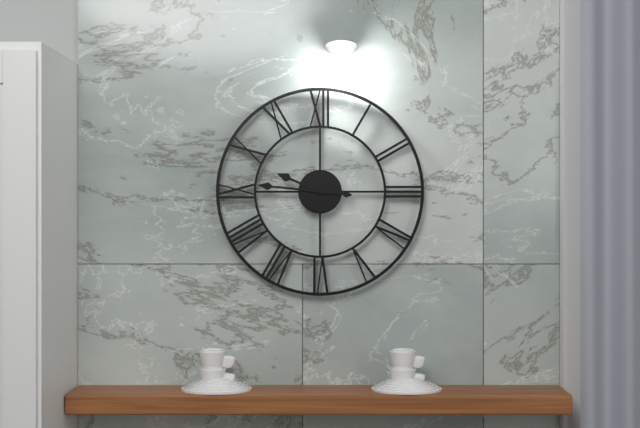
9:46
